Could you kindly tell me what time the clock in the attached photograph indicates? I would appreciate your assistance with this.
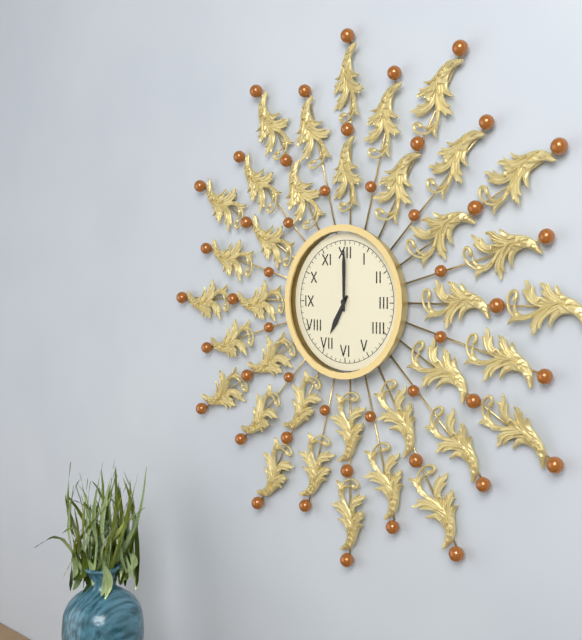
7:00
